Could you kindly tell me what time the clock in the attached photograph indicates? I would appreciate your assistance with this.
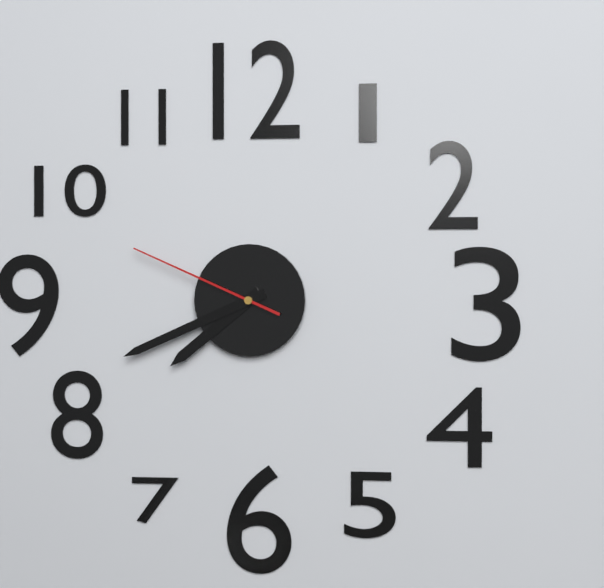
7:41:49
